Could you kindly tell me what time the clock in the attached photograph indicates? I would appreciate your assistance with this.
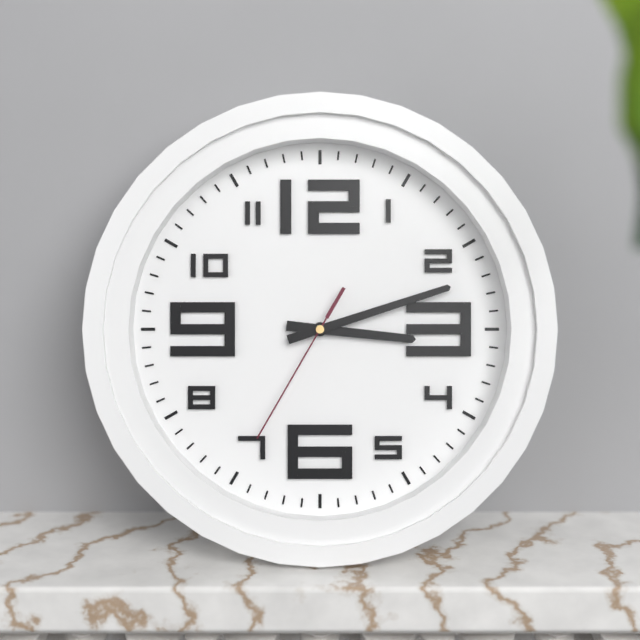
3:12:35
